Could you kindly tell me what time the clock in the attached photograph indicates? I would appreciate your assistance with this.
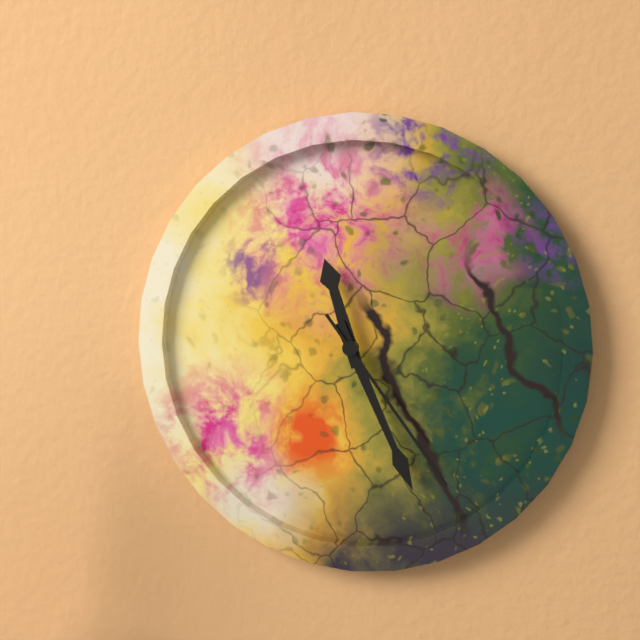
11:26:24
